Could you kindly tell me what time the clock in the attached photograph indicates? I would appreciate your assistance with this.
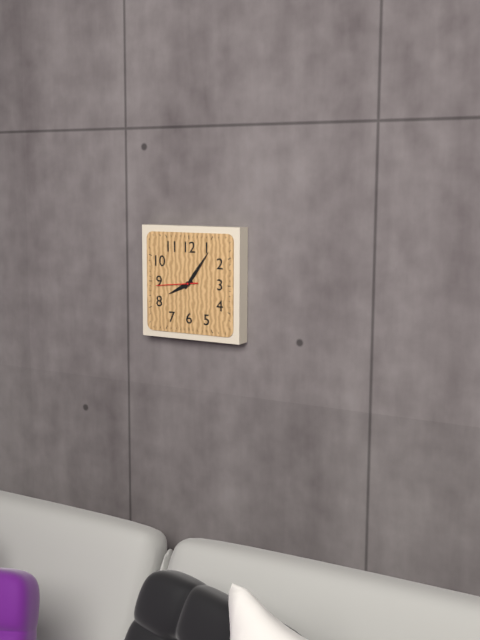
8:06
